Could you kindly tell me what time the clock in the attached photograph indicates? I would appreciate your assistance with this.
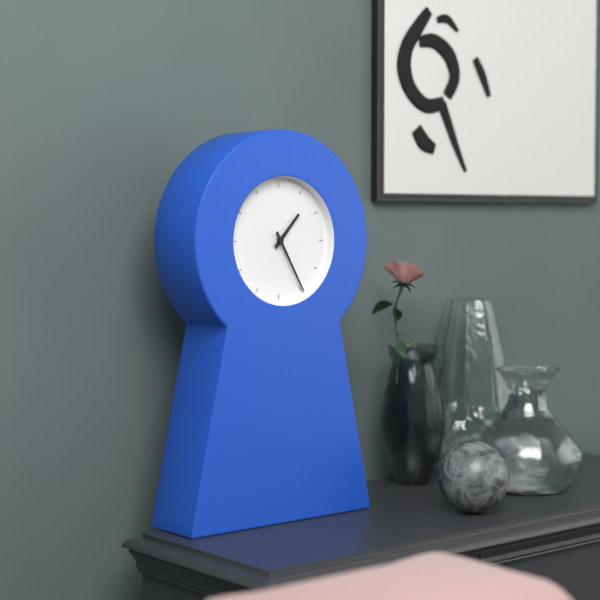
1:25
